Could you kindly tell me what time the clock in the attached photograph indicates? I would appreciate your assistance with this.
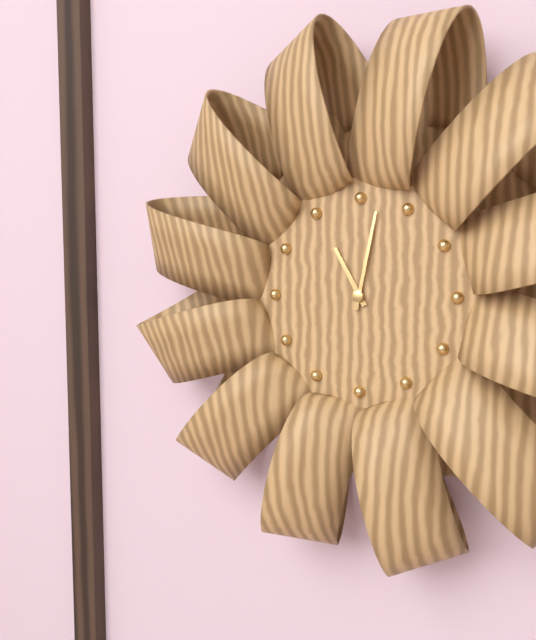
11:02
